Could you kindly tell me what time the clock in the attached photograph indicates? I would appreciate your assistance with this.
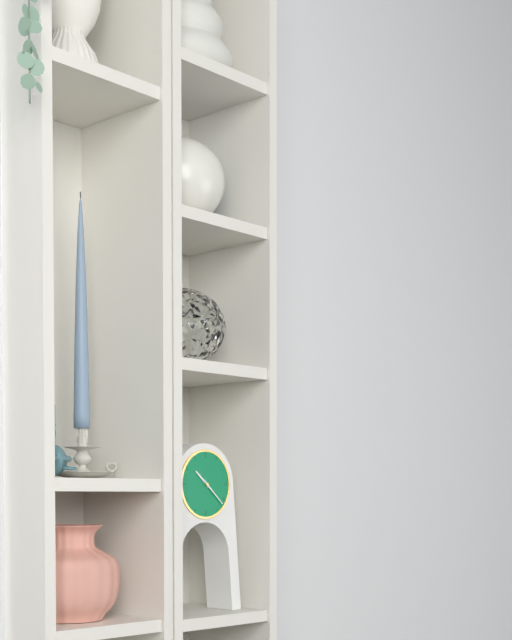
10:22
